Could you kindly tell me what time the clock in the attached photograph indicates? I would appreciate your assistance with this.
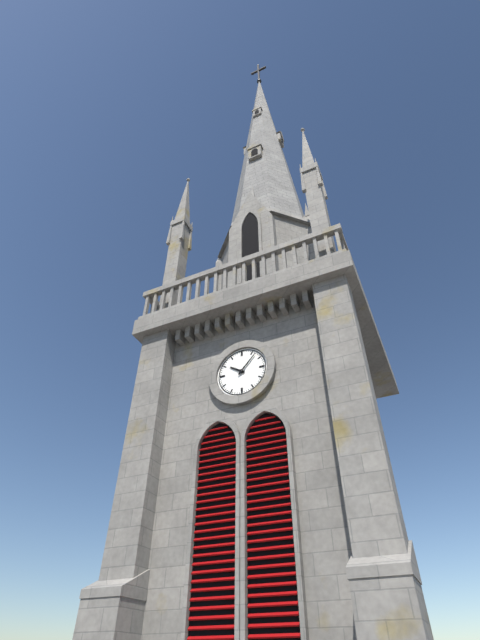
10:07
